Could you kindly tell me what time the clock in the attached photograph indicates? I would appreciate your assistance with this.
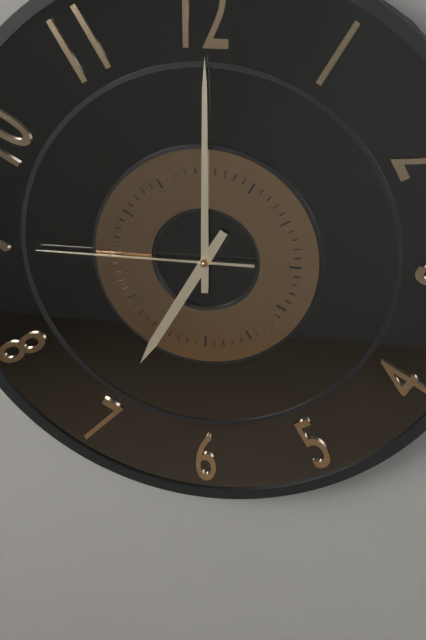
7:00:45
